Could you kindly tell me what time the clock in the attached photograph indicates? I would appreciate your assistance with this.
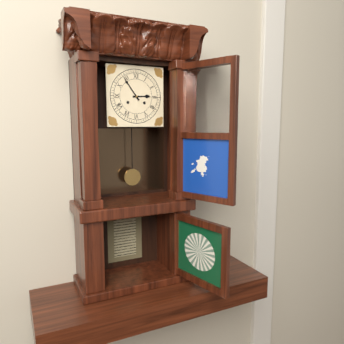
2:54
